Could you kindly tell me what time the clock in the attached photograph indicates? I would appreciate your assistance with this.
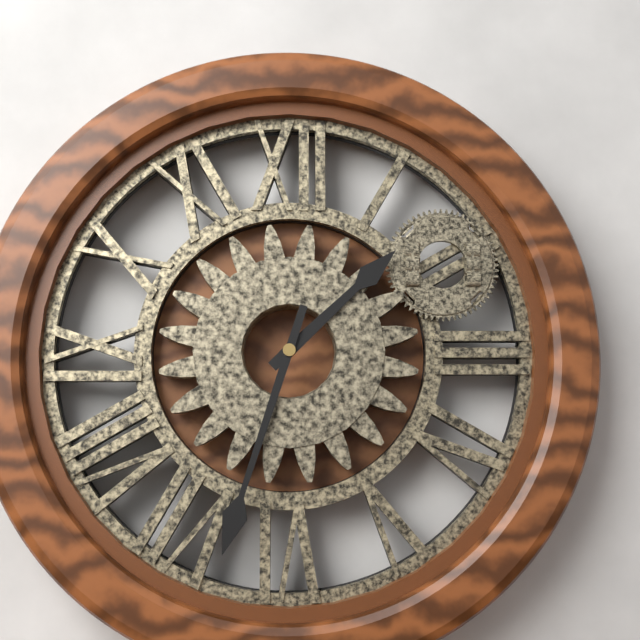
1:33
